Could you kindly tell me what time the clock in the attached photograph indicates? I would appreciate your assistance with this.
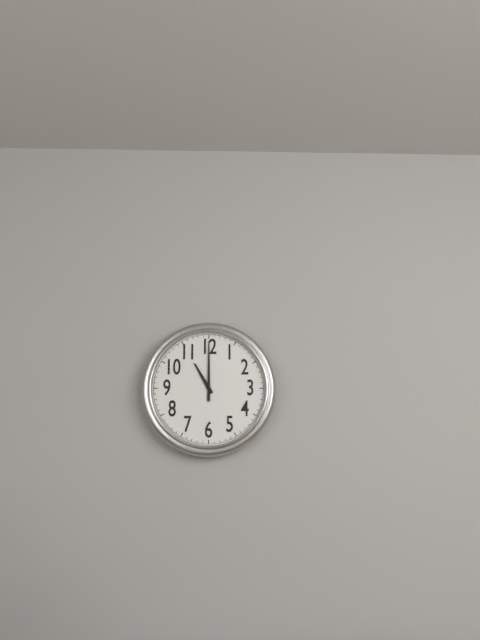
11:00
